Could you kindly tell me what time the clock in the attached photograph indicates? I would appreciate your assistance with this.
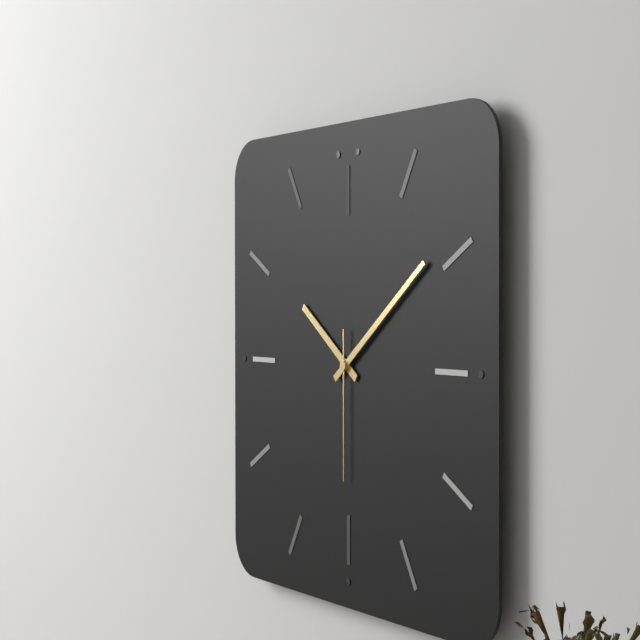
10:09:30
